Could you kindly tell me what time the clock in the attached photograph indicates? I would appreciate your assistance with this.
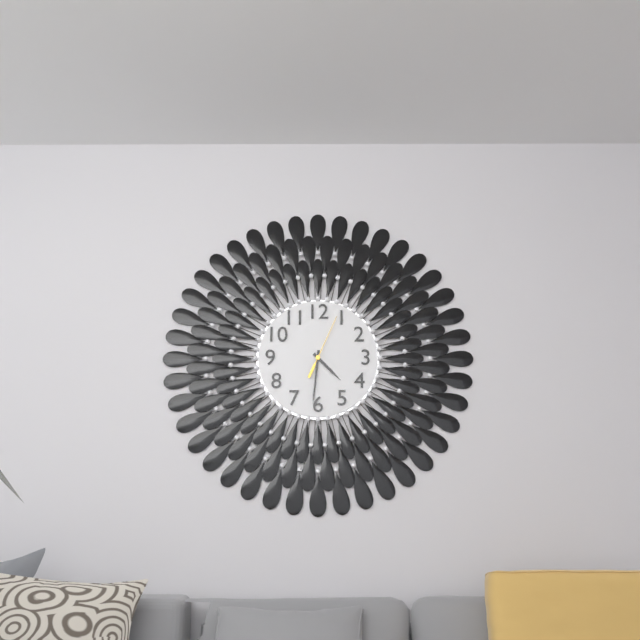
4:31:04
